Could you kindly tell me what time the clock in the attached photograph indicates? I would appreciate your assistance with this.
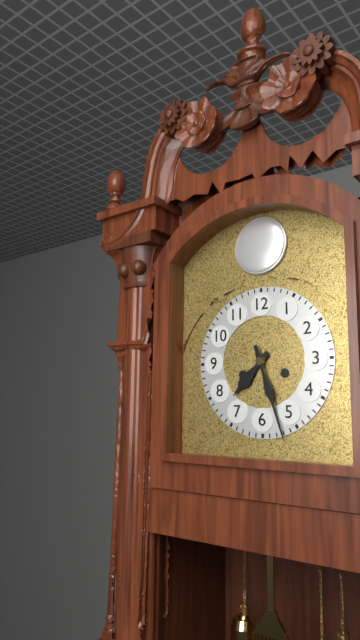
7:27
